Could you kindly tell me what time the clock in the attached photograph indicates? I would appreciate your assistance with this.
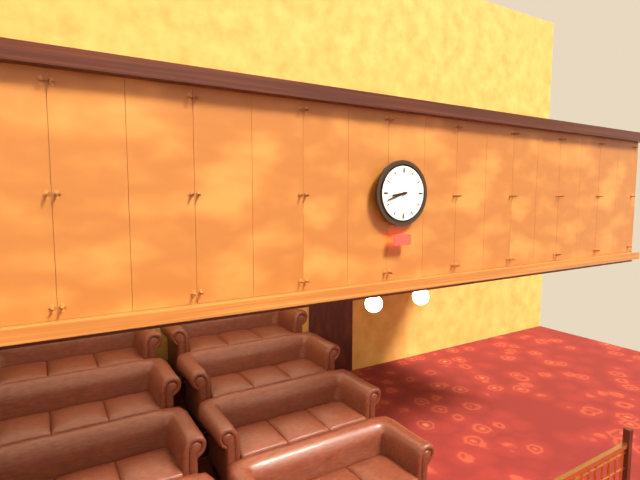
8:42
